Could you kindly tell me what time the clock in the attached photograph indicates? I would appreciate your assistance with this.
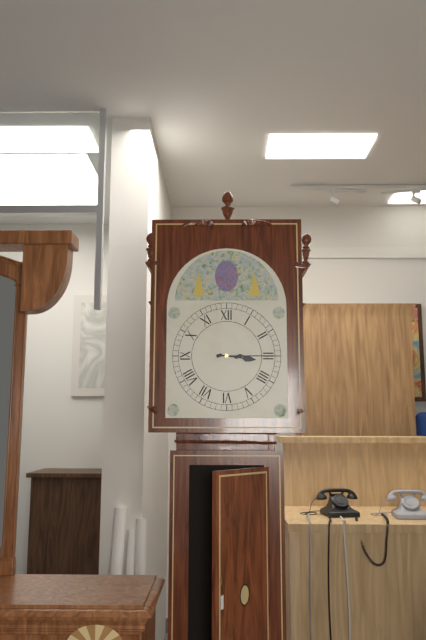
3:15
